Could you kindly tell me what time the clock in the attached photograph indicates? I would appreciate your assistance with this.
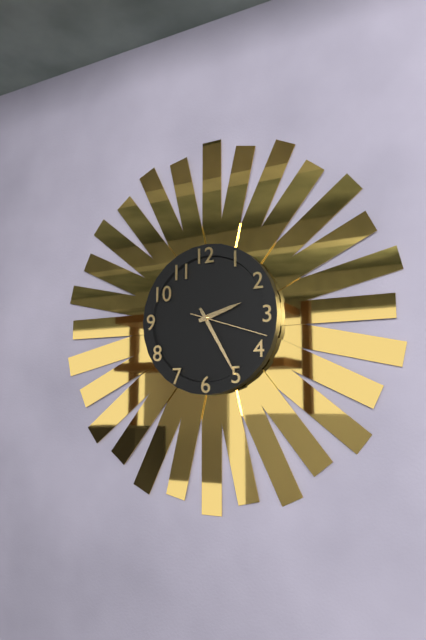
2:25:18
